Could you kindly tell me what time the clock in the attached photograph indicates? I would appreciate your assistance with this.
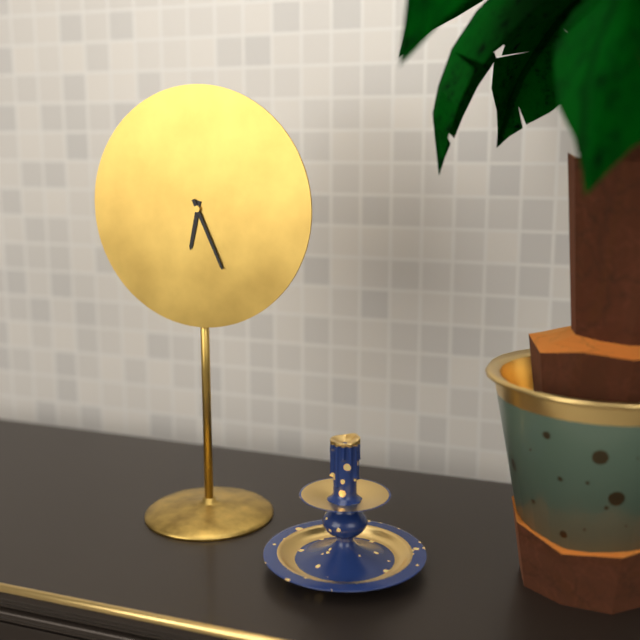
6:26
